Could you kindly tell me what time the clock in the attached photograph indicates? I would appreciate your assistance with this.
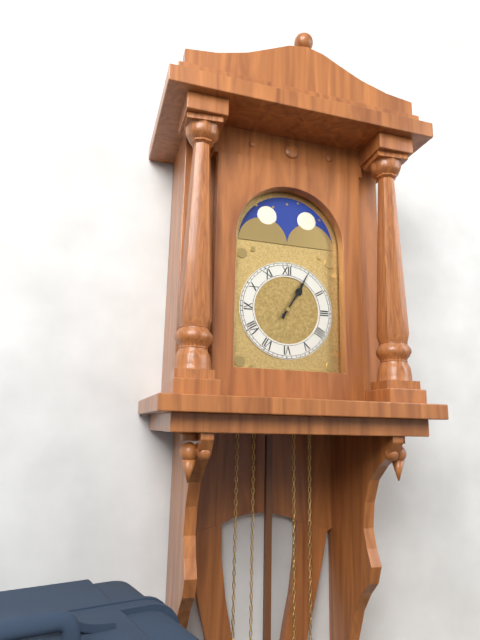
1:05
